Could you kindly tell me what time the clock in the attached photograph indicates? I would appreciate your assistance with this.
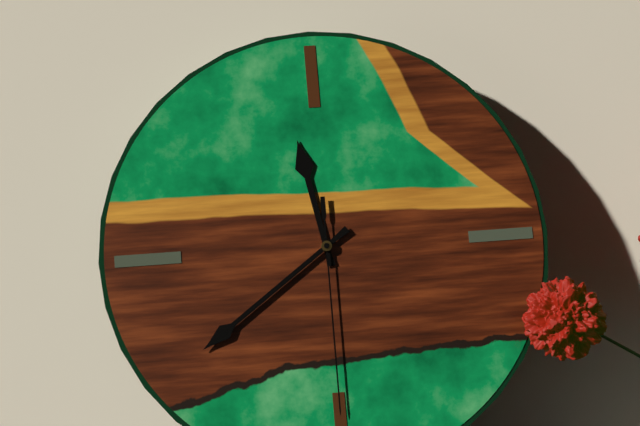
11:39:30
